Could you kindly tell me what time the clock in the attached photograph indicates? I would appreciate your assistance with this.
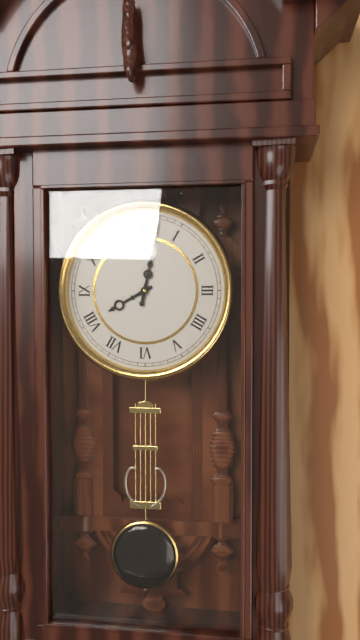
8:02
